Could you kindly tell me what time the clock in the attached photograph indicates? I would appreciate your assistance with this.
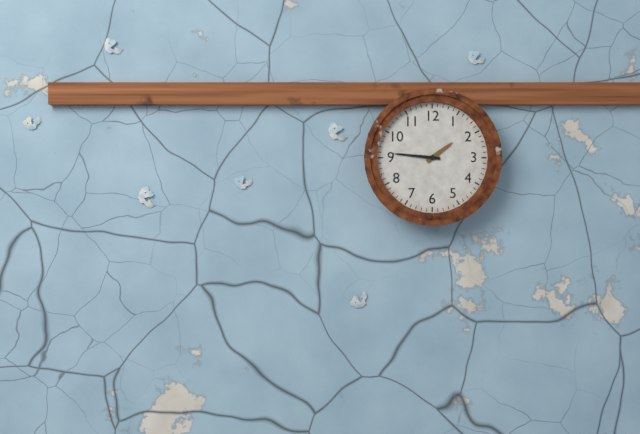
1:46
